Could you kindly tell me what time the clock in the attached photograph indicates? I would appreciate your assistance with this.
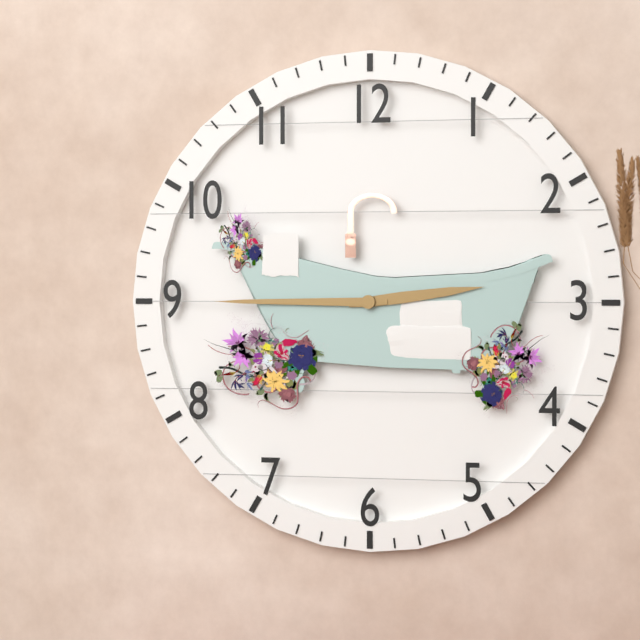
2:45
